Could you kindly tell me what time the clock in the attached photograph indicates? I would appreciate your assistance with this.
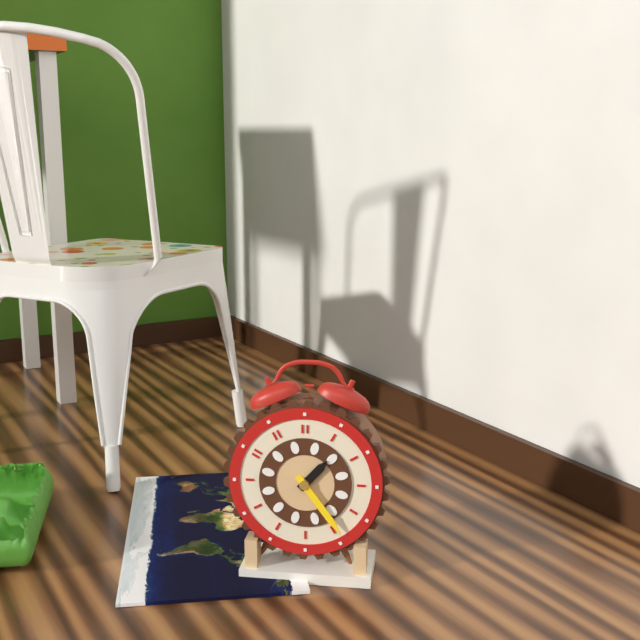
1:24
